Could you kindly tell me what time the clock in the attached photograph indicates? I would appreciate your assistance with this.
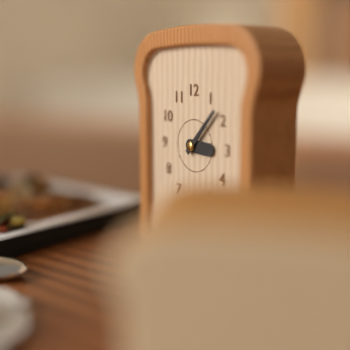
3:07
